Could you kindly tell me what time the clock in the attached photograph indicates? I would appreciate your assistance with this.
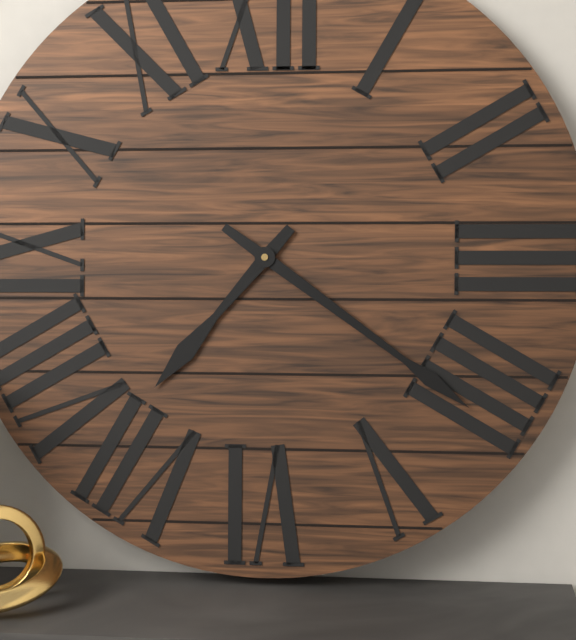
7:21
